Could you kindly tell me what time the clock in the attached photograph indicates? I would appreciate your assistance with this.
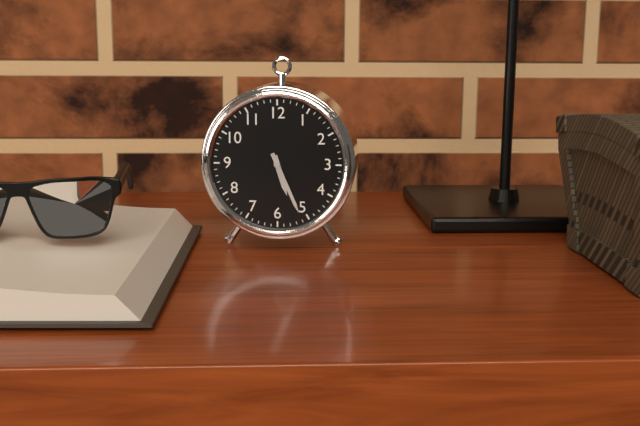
5:26
